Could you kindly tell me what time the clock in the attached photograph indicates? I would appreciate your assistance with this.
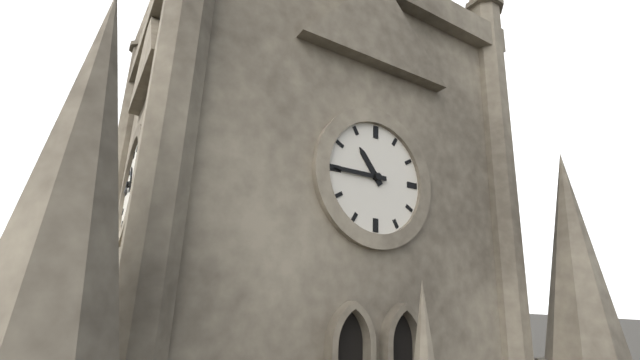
10:45
